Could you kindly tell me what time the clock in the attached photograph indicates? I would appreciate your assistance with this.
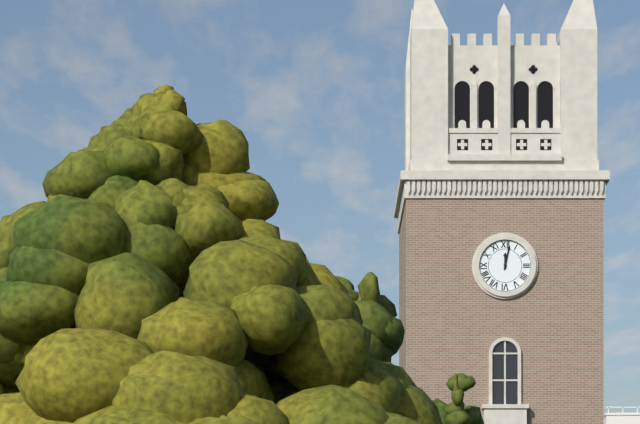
12:02
